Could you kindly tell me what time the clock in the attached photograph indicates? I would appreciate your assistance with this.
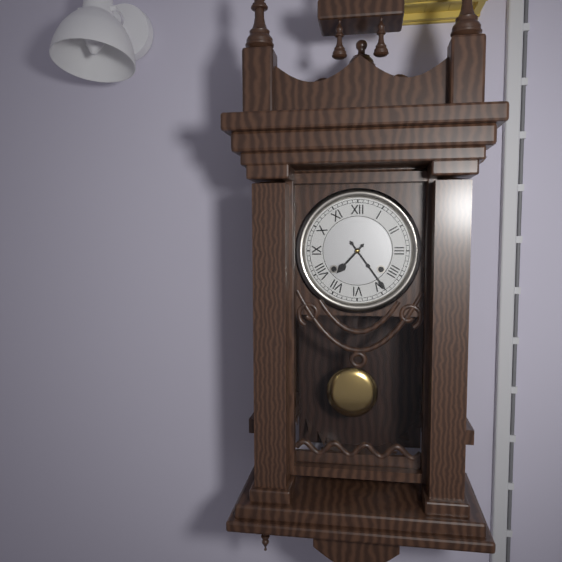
7:24
